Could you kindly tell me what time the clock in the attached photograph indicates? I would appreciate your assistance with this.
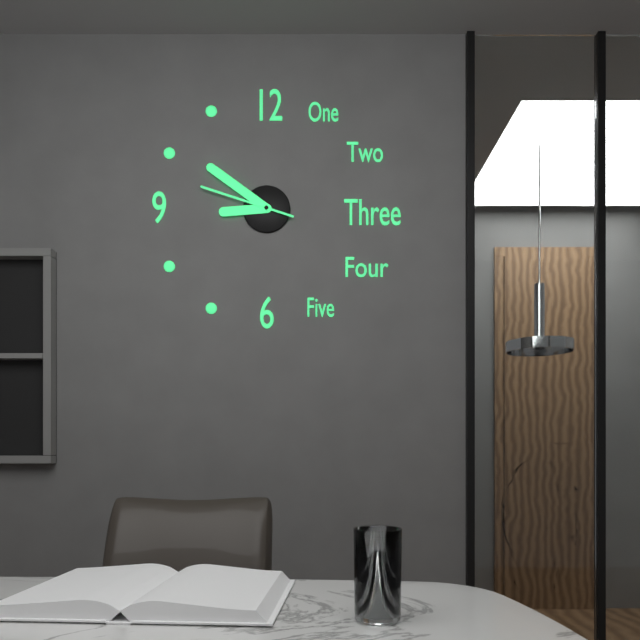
8:51:48
